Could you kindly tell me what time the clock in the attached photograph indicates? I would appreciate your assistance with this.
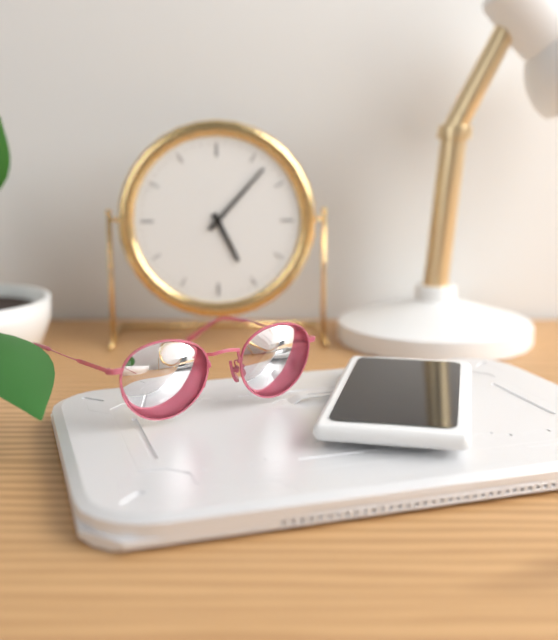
5:07
